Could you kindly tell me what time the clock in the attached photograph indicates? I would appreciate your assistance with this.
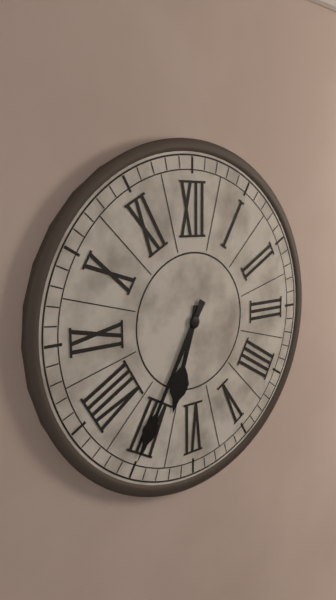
6:35
